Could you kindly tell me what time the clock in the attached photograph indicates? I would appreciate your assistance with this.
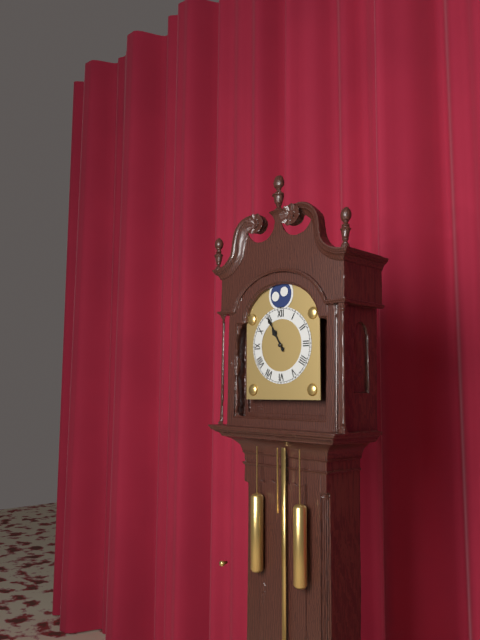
10:55
